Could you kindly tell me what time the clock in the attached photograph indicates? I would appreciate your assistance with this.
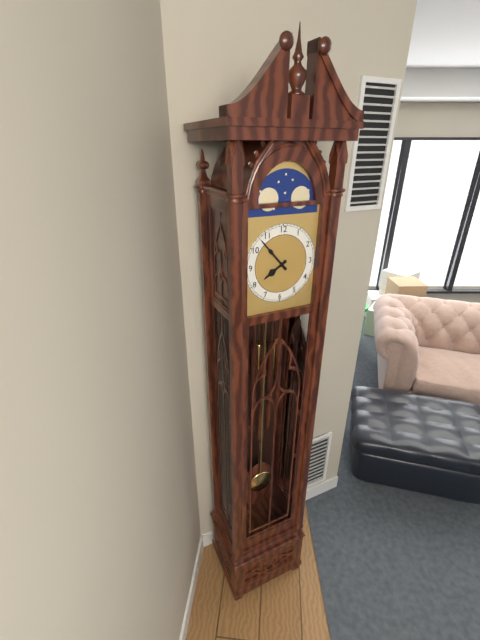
7:53
